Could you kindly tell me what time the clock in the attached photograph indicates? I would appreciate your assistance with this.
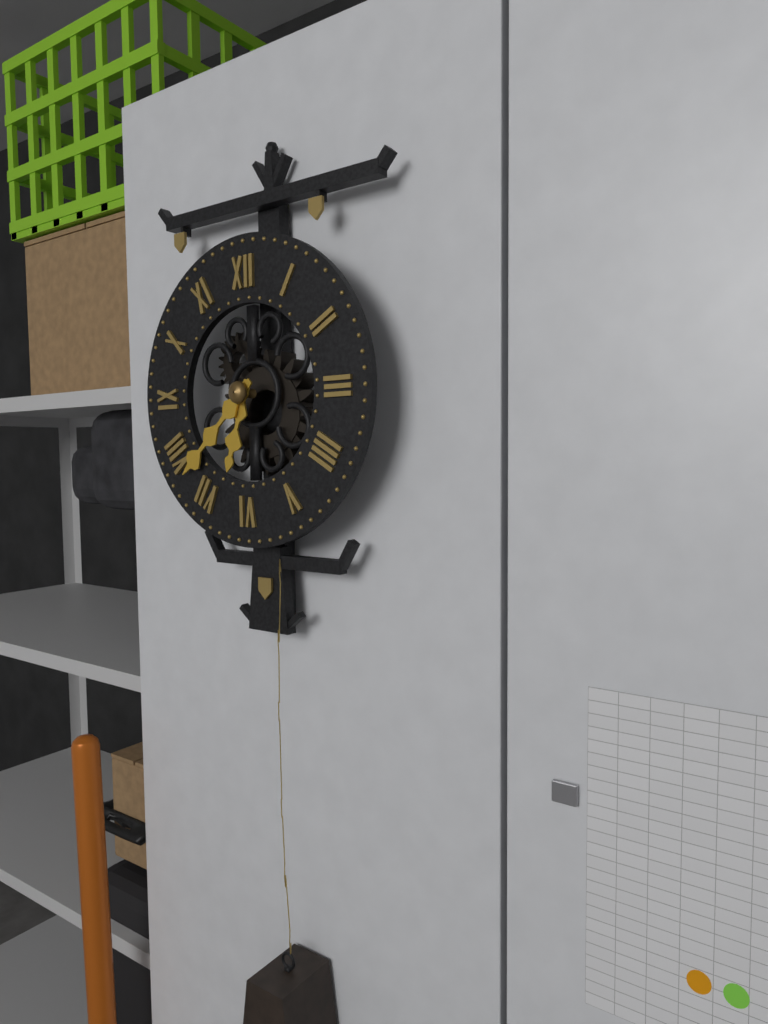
6:38
